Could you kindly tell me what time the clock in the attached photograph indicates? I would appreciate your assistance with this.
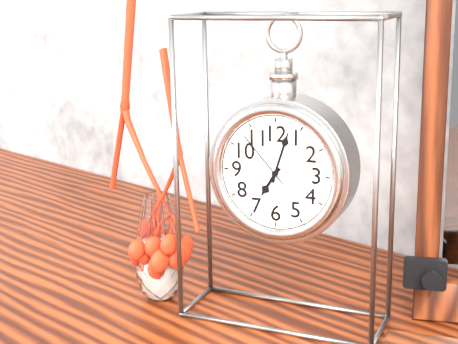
7:03:53
